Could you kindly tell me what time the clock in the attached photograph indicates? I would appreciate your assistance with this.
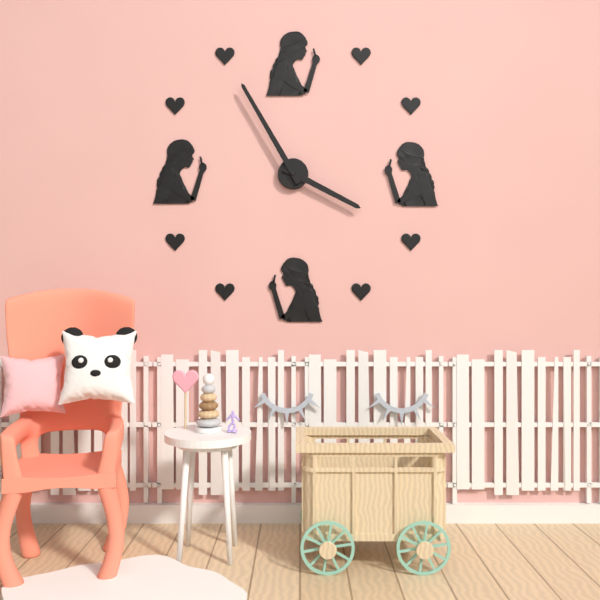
3:55
